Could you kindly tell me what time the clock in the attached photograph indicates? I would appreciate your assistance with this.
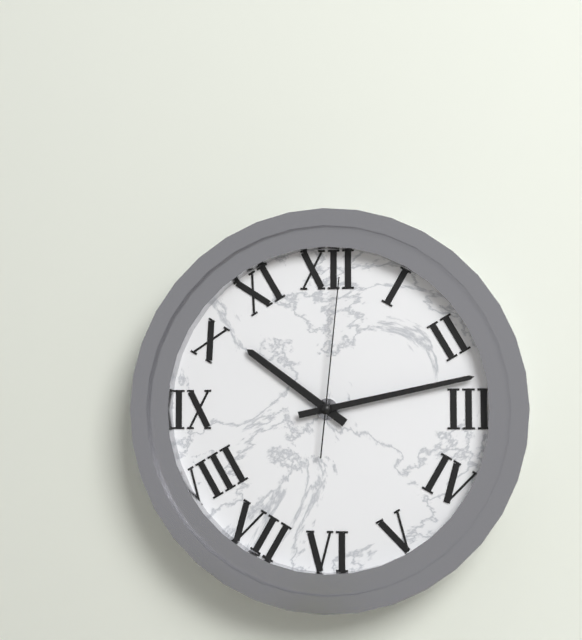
10:13:01
